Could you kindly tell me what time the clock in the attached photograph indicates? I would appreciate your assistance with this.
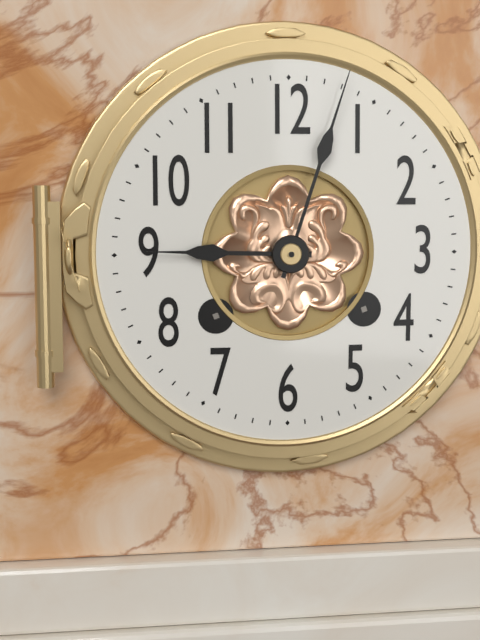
9:03
